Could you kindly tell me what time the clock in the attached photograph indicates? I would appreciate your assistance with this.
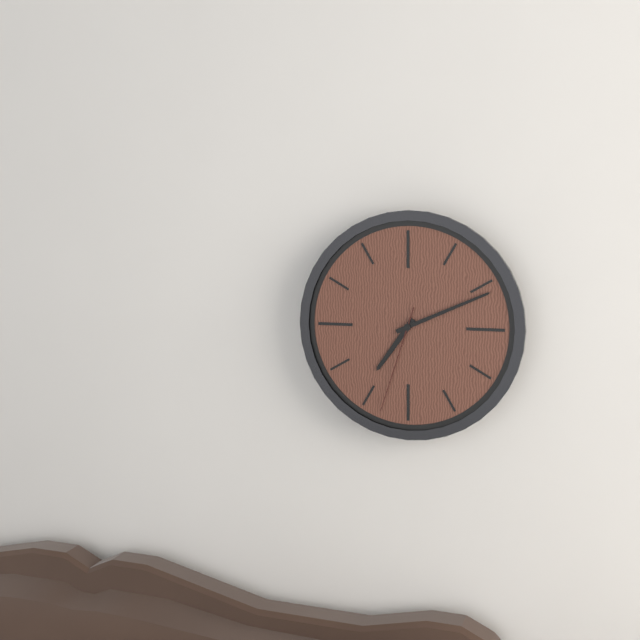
7:11:33
